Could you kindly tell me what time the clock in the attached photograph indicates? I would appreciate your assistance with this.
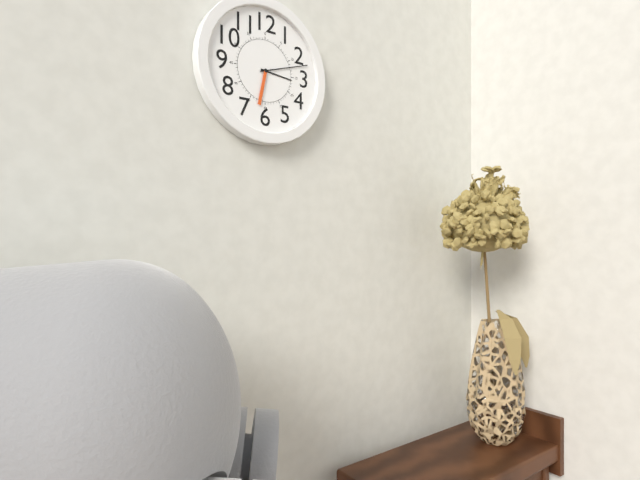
3:12
